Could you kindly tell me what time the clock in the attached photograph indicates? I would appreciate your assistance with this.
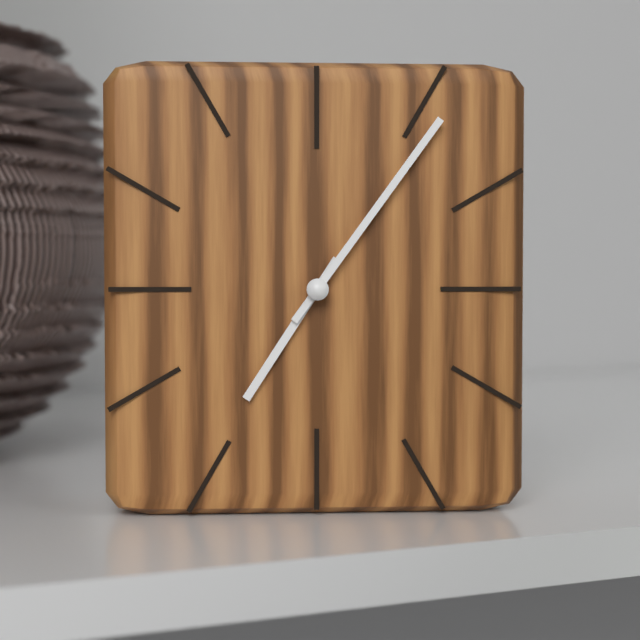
7:06
